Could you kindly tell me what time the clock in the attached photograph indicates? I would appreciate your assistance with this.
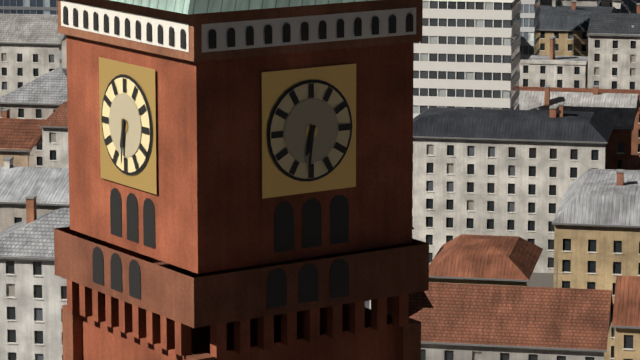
6:31
